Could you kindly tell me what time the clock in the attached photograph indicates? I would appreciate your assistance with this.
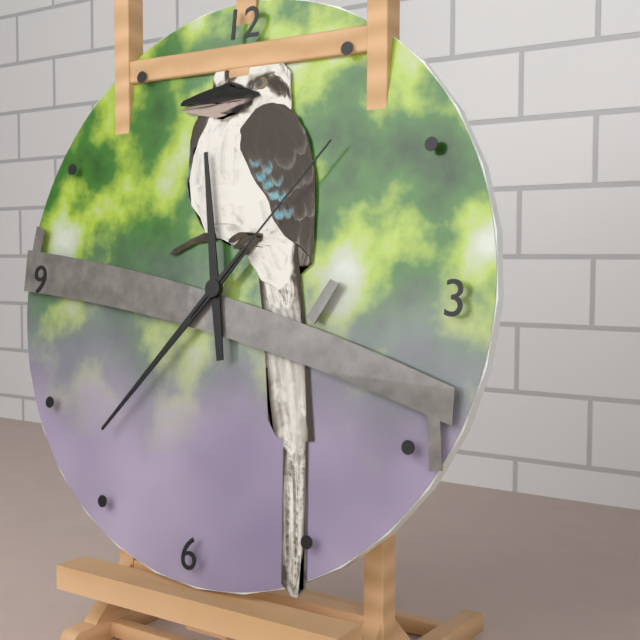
11:37:07
